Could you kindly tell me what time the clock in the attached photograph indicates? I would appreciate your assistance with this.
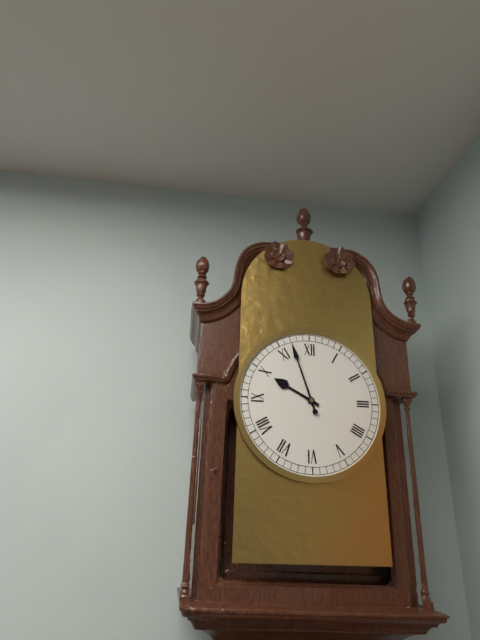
9:57
